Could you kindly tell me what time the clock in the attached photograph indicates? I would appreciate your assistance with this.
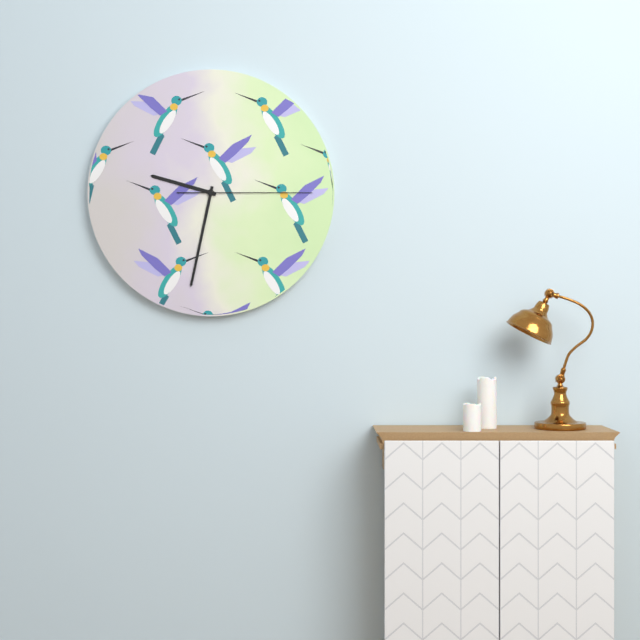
9:32:15
